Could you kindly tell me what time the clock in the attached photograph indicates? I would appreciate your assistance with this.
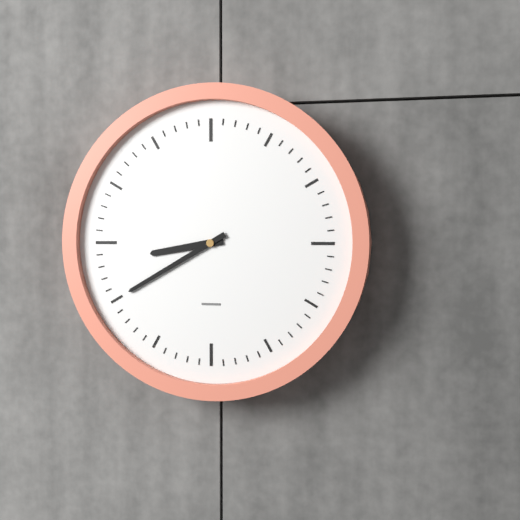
8:40
